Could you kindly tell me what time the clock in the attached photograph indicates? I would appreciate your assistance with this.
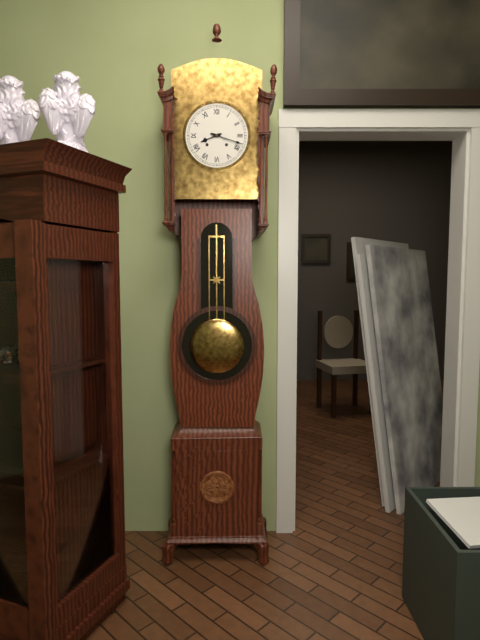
8:18
